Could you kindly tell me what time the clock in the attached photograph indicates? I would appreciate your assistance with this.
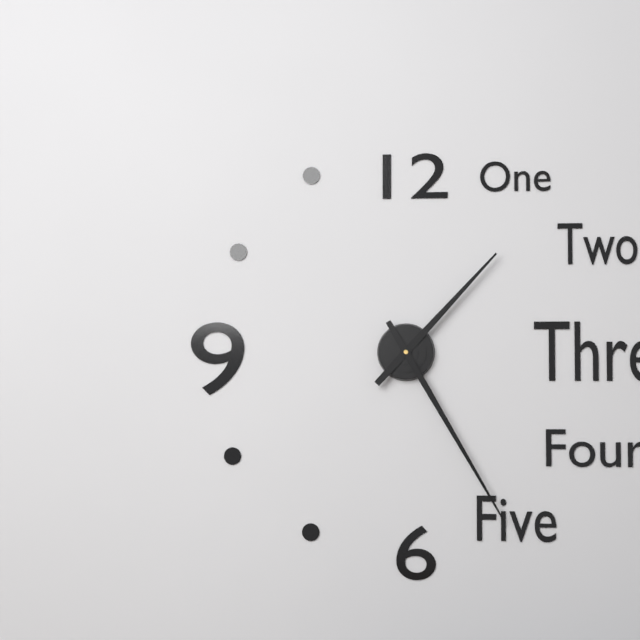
1:25
